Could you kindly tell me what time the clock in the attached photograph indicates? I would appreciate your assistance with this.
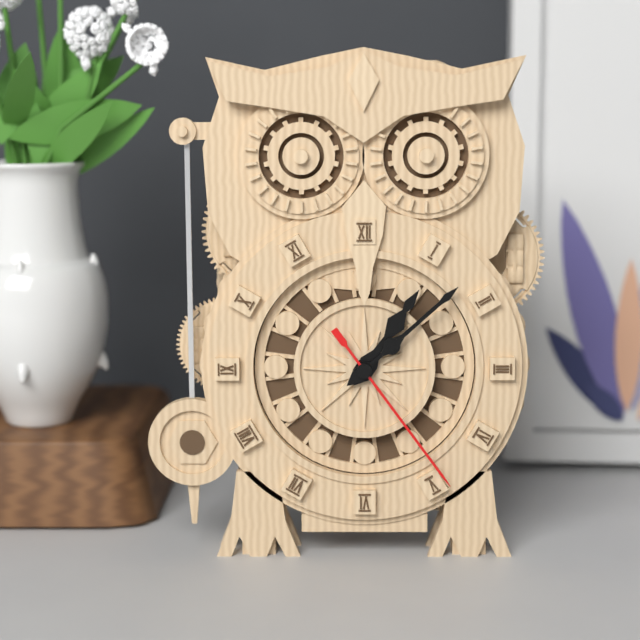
1:08:24
